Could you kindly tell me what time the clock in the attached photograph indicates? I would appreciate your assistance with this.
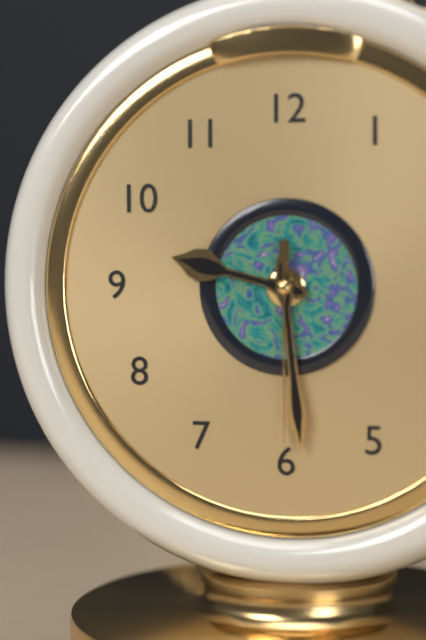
9:29:30
